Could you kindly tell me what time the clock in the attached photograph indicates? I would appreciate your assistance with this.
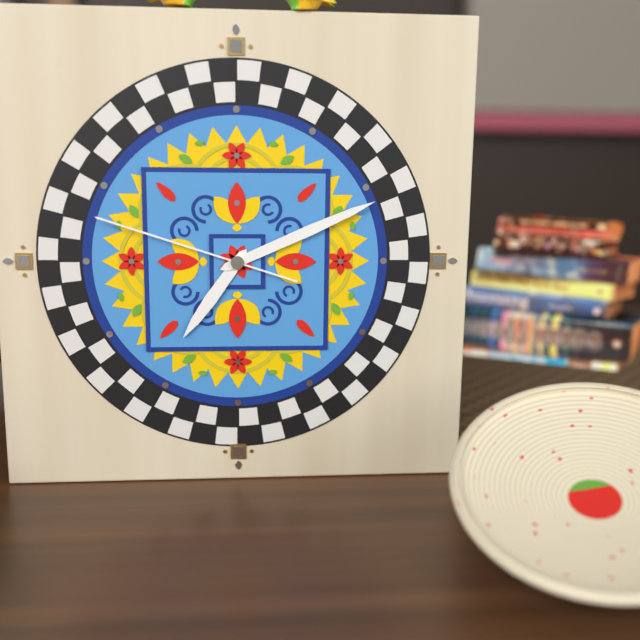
7:11:48
